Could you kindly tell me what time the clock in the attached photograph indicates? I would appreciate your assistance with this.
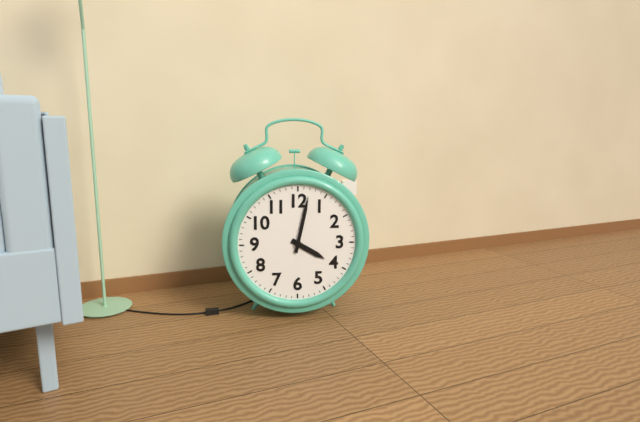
4:02
